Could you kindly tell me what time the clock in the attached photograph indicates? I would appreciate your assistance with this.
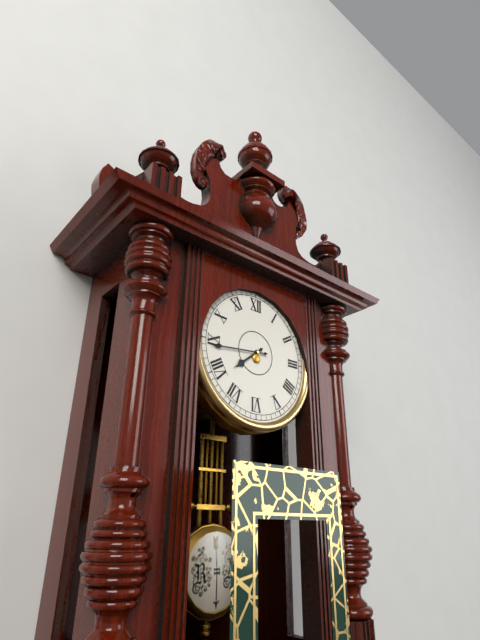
7:44
